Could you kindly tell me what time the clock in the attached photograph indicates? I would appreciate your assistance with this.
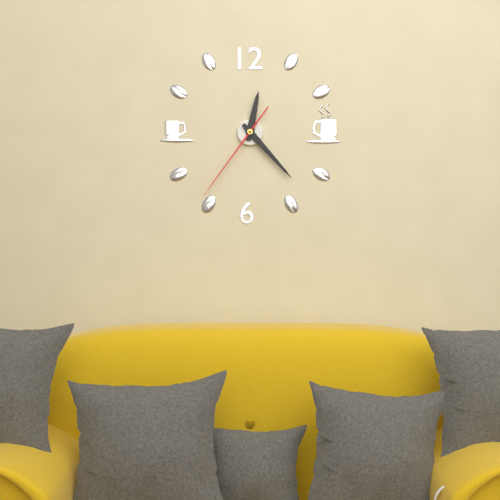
12:23:36
